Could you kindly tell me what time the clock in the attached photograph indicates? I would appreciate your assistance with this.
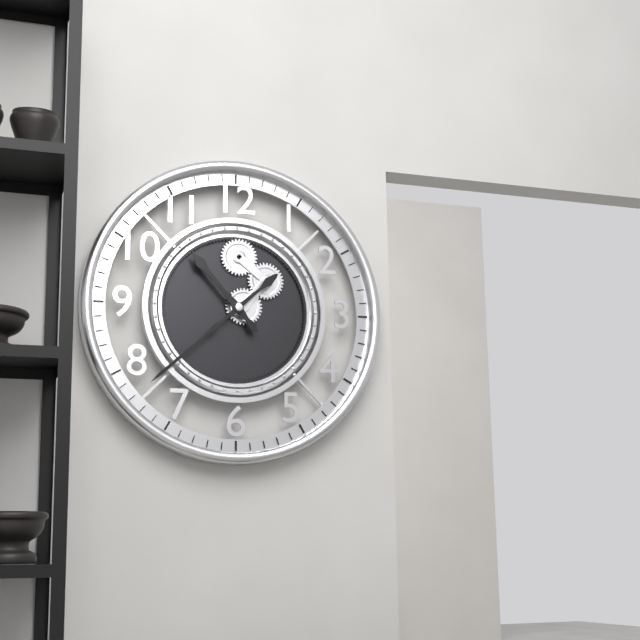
10:38
